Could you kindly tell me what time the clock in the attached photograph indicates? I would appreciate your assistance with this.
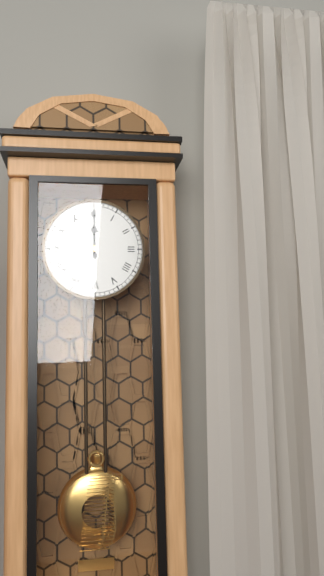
12:00
